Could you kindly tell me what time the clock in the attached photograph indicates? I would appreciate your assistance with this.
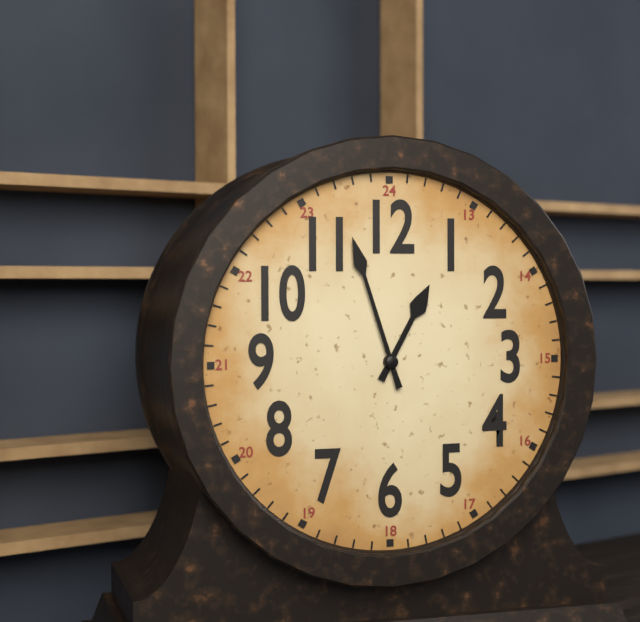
12:57
